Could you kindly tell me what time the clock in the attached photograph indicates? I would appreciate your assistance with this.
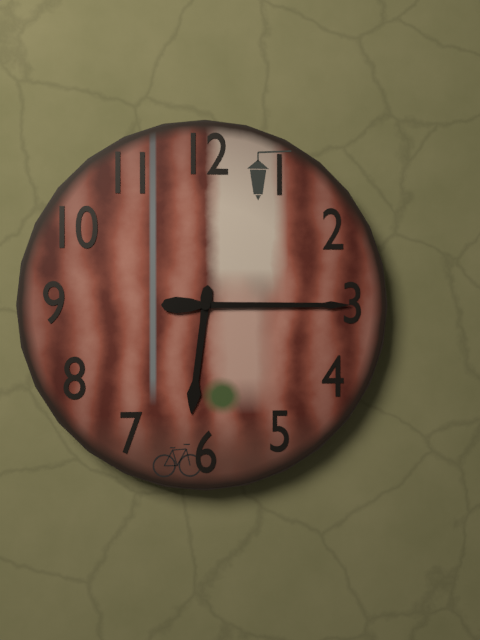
6:15
